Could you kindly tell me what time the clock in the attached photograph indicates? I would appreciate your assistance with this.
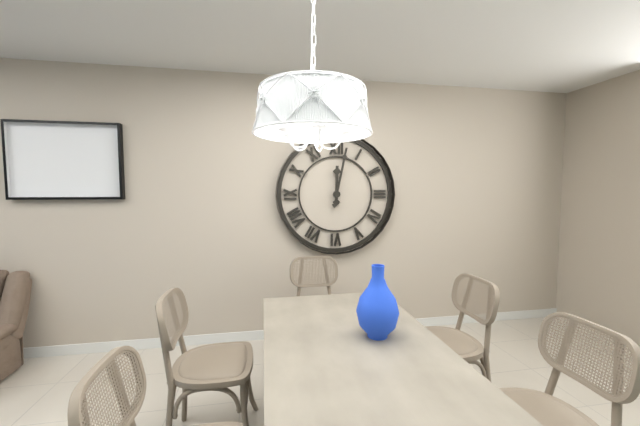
12:02
